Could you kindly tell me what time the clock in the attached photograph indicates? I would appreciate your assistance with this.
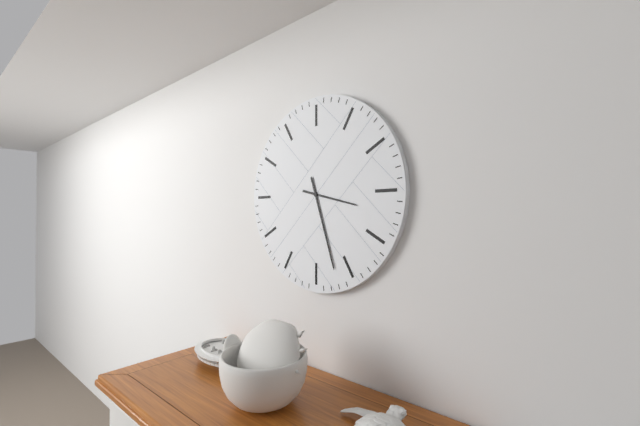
3:27
